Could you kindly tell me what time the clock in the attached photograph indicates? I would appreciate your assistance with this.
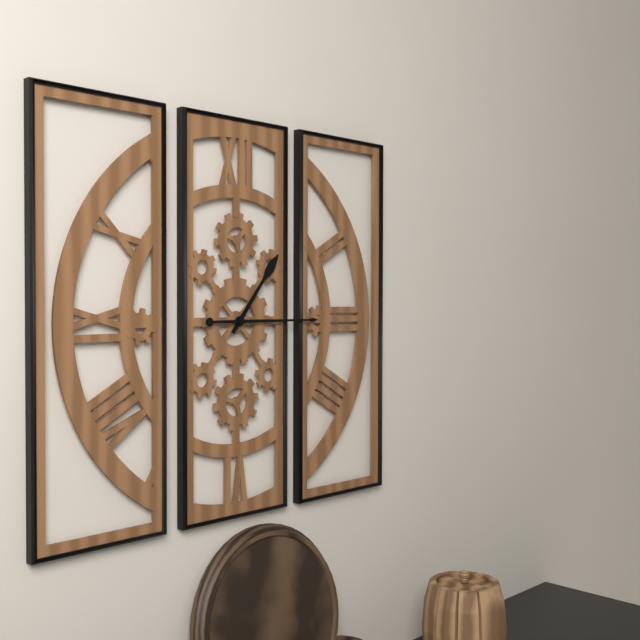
1:15
